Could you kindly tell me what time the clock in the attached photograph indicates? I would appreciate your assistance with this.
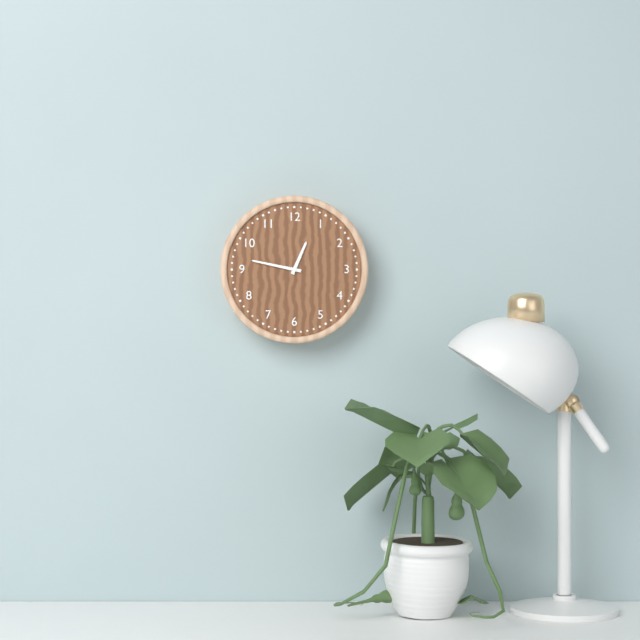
12:47
